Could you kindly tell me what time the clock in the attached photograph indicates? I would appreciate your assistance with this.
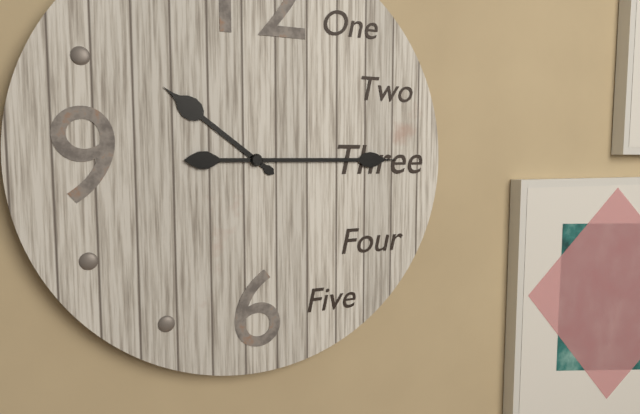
10:15
